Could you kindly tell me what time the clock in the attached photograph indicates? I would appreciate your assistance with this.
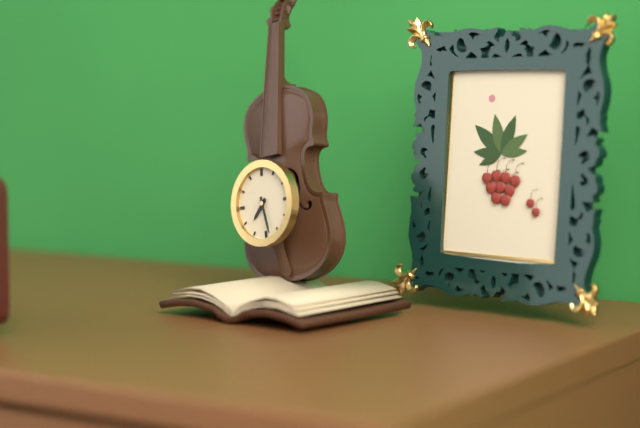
7:28
